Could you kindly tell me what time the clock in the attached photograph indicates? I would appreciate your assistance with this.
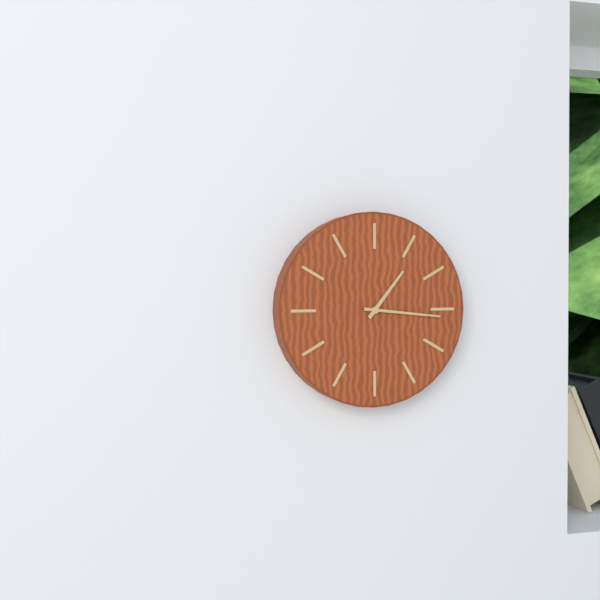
1:16
